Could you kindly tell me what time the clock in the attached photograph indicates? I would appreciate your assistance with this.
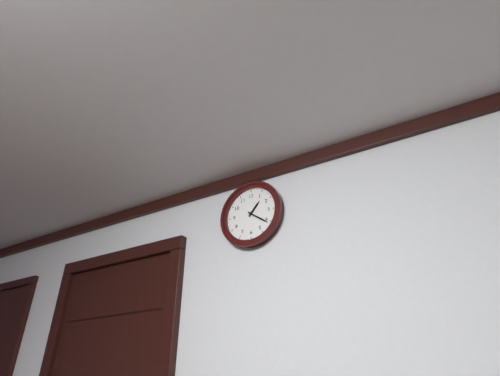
1:21
